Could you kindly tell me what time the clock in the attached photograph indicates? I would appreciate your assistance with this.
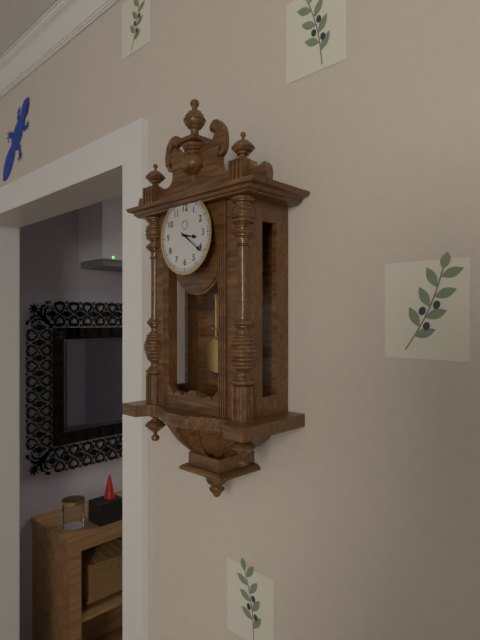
3:21
